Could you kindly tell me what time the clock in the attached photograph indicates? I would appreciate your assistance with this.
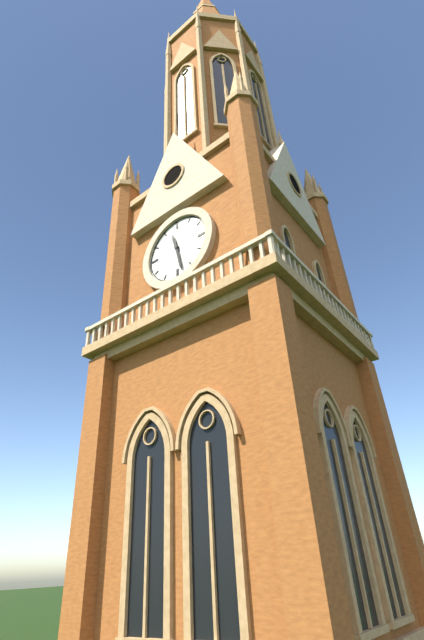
11:28
